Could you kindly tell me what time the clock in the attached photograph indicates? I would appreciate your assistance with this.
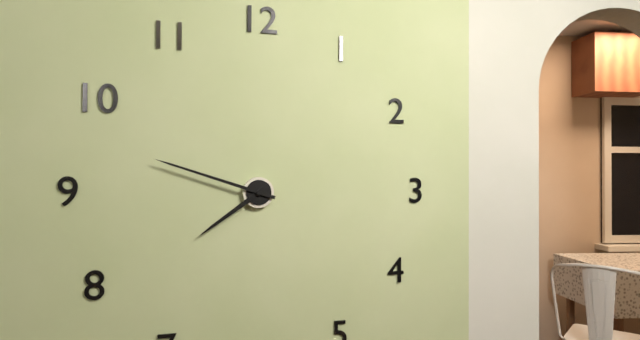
7:48
